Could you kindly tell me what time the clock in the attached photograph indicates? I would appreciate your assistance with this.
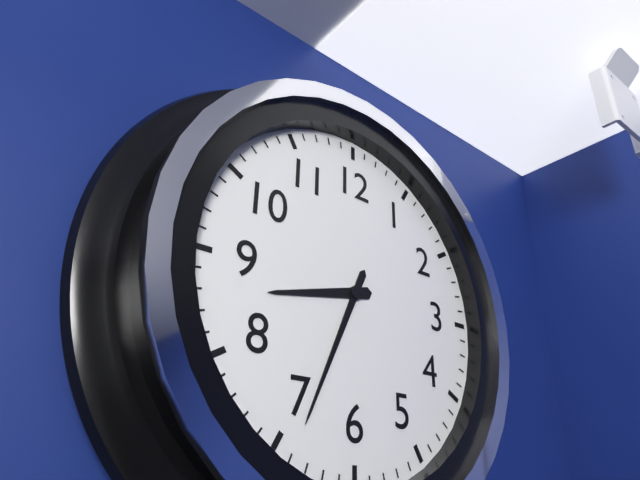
8:34
